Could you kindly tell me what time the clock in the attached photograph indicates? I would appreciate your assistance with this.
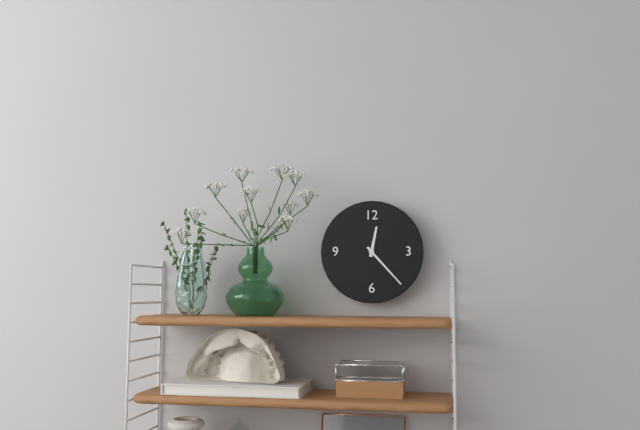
12:23
